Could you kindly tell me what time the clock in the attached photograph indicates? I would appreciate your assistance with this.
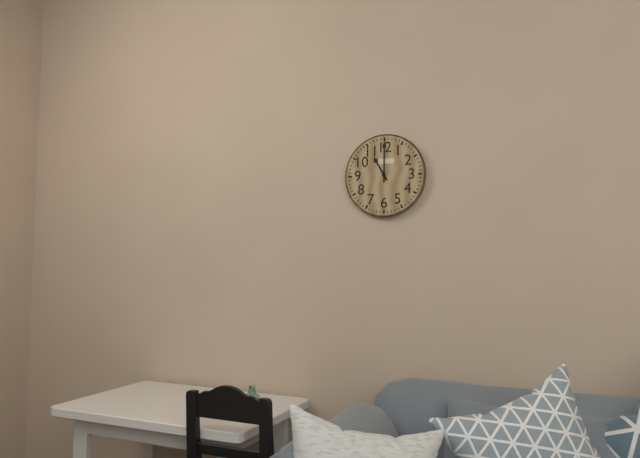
11:00
